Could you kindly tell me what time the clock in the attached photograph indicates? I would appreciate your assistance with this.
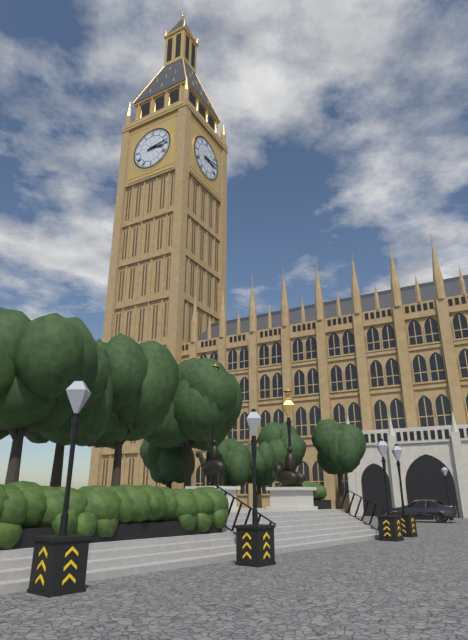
3:13
